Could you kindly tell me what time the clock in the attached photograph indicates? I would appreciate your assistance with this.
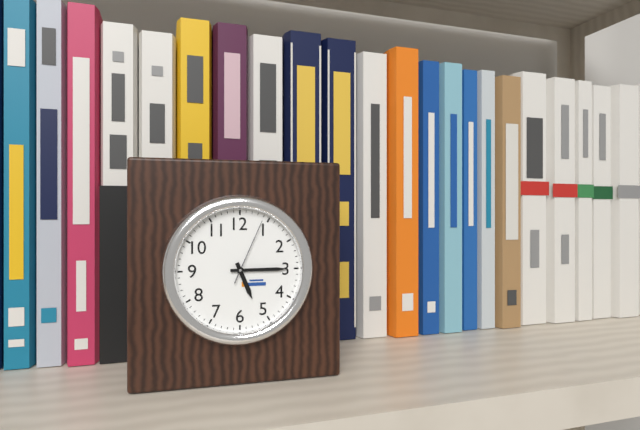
5:15:04
